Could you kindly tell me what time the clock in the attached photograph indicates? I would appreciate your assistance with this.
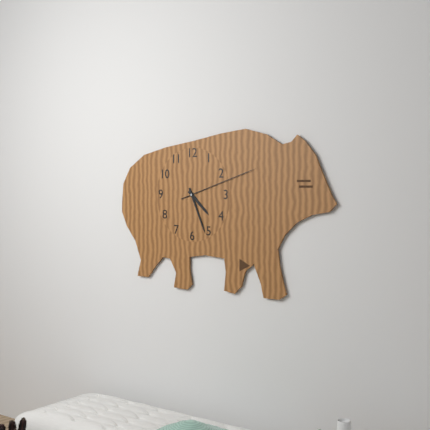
4:26:12
